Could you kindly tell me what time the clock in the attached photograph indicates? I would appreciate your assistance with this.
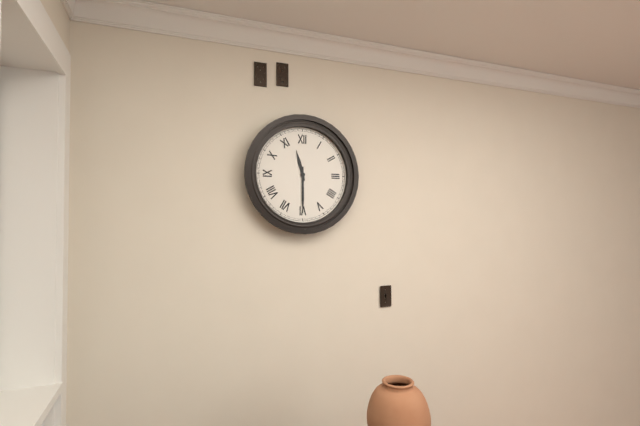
11:30
